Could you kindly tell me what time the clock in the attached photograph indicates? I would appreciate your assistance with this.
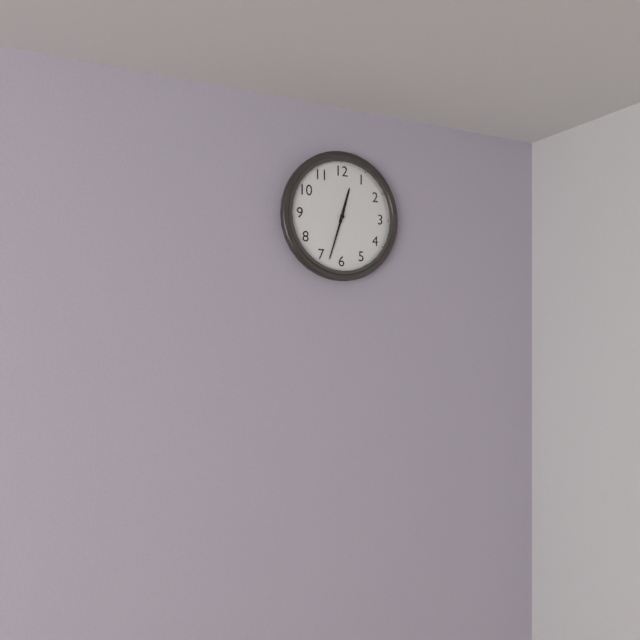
12:33
